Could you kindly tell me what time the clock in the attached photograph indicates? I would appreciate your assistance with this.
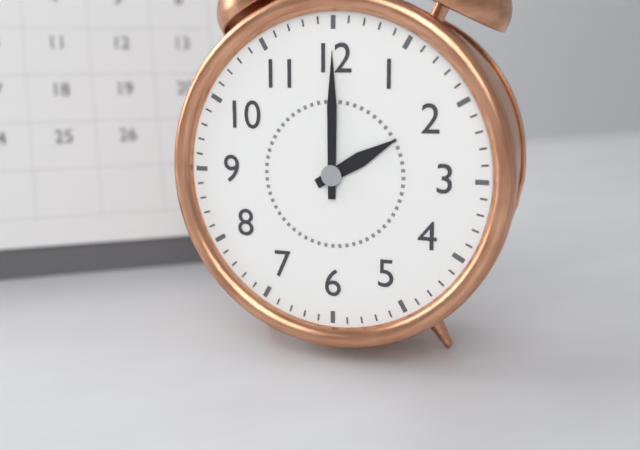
2:00
